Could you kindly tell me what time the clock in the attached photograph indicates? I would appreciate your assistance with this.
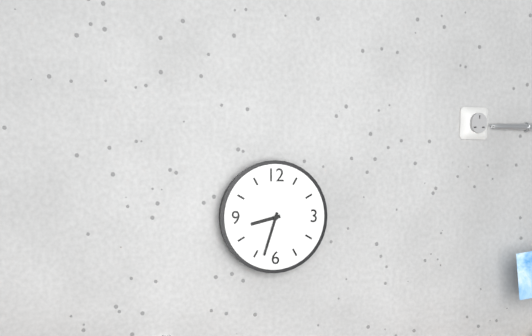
8:33
